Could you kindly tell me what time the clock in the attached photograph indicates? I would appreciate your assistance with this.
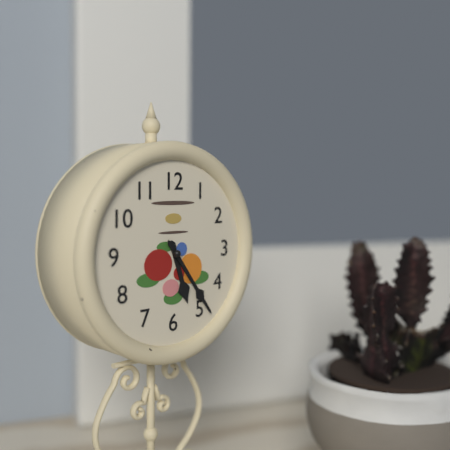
5:24
